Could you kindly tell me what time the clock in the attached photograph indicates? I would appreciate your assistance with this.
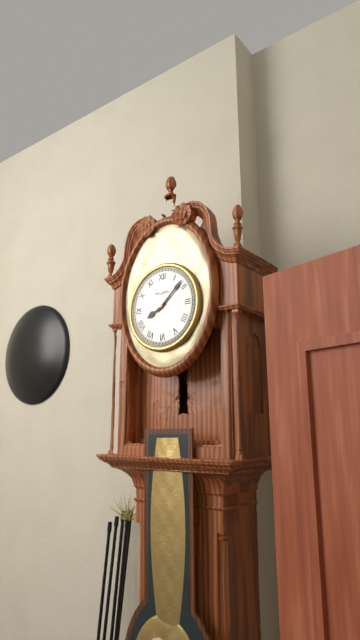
8:08
